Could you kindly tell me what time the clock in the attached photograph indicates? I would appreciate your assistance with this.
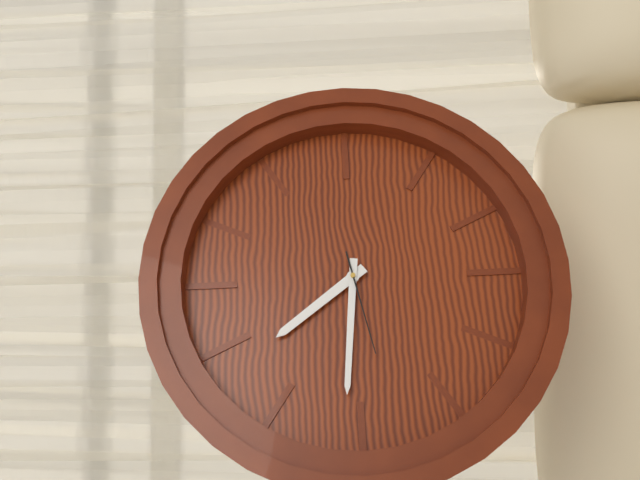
10:46:43
